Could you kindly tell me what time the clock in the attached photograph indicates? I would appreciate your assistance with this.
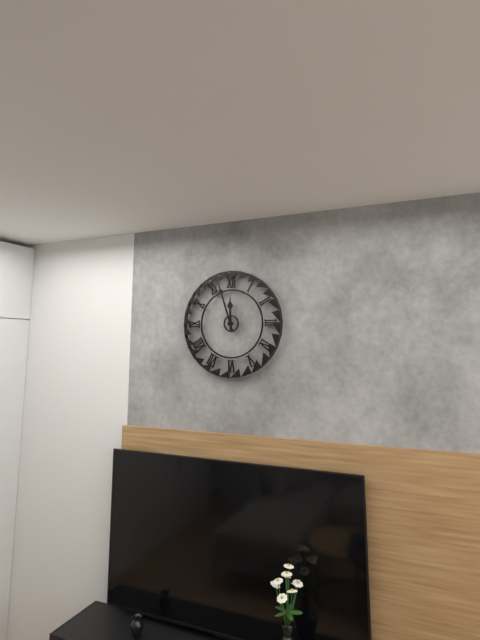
11:57
